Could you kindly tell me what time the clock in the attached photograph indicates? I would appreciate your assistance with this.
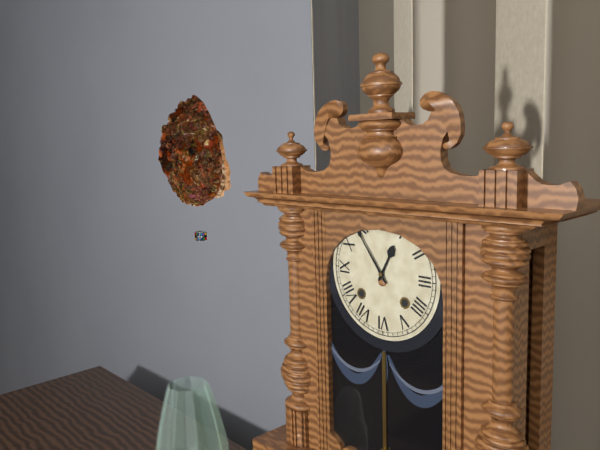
12:54
